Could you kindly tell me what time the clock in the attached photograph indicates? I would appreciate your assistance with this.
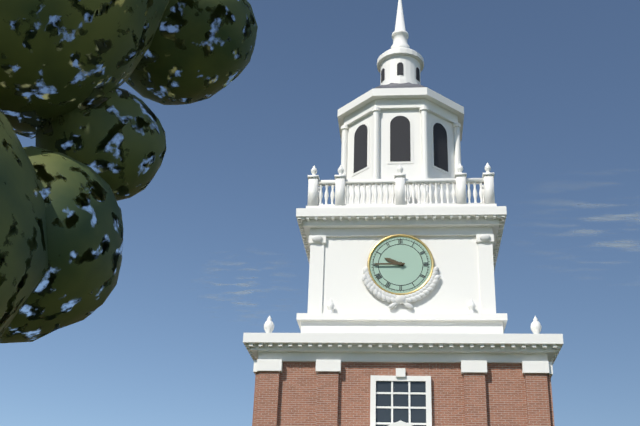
9:45
